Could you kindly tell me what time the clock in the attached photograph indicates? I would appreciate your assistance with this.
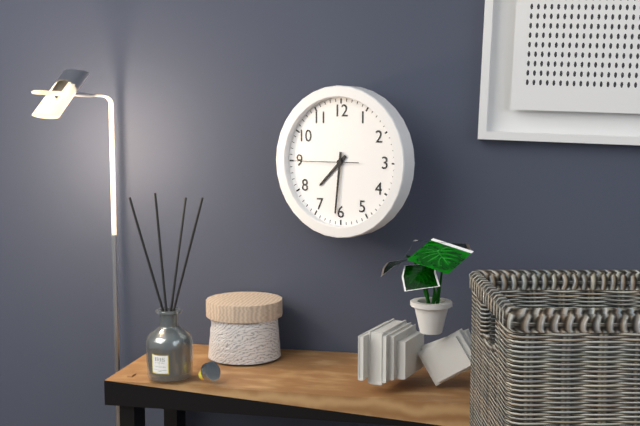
7:31:45
